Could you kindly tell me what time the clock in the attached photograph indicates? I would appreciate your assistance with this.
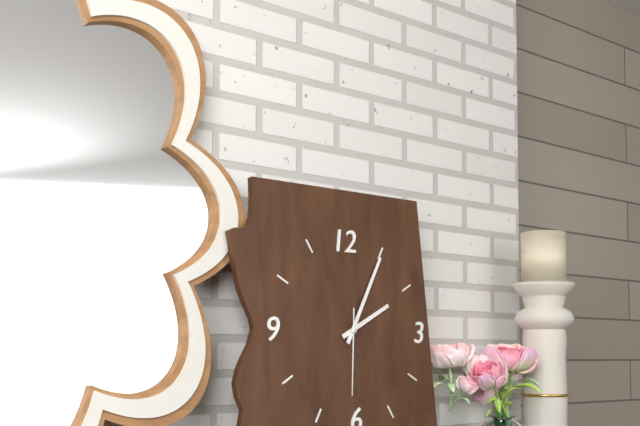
2:05:31
